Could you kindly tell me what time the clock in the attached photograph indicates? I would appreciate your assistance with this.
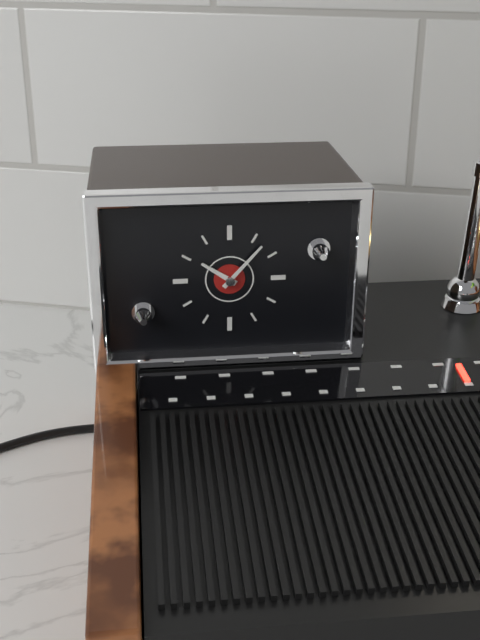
10:07
